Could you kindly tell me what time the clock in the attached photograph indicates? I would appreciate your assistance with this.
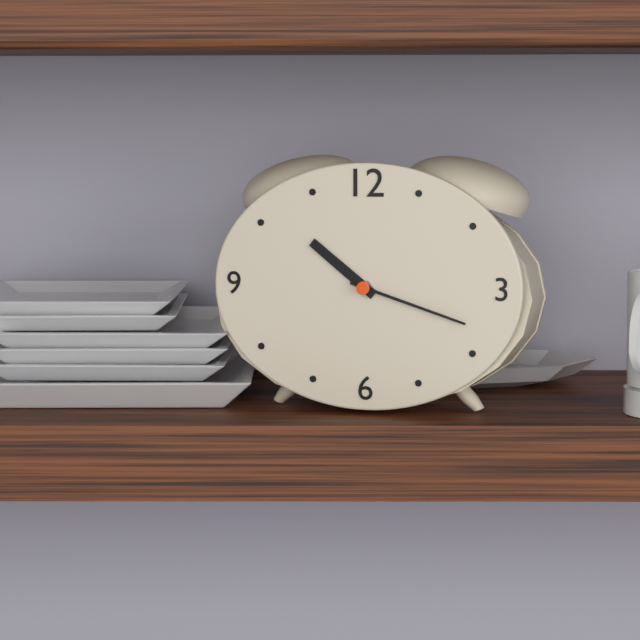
10:18
